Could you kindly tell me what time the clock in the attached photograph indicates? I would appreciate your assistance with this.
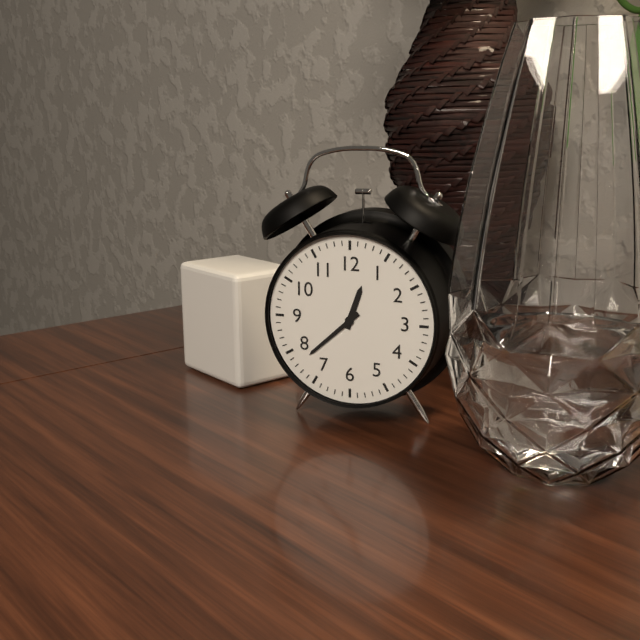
12:38
